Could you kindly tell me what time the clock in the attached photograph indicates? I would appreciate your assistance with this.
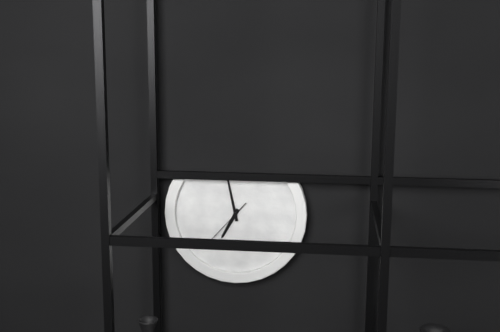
6:58
